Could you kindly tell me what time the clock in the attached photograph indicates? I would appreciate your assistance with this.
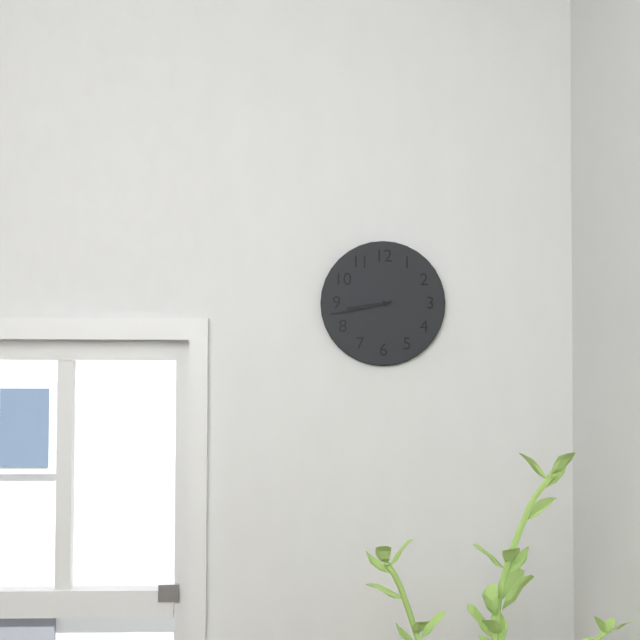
8:43
